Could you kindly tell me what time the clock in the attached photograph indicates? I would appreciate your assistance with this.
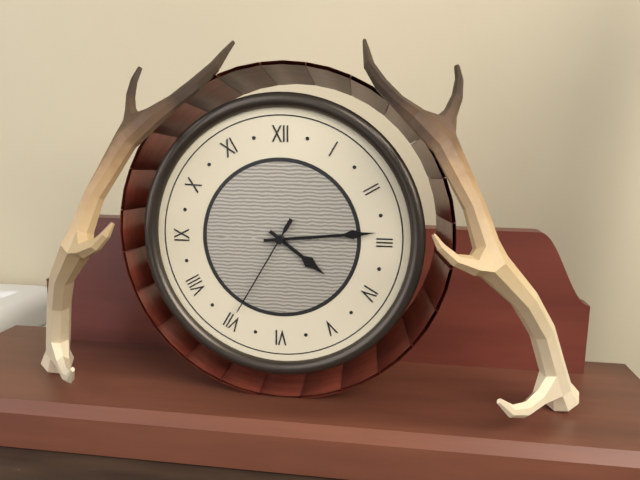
4:14:35
